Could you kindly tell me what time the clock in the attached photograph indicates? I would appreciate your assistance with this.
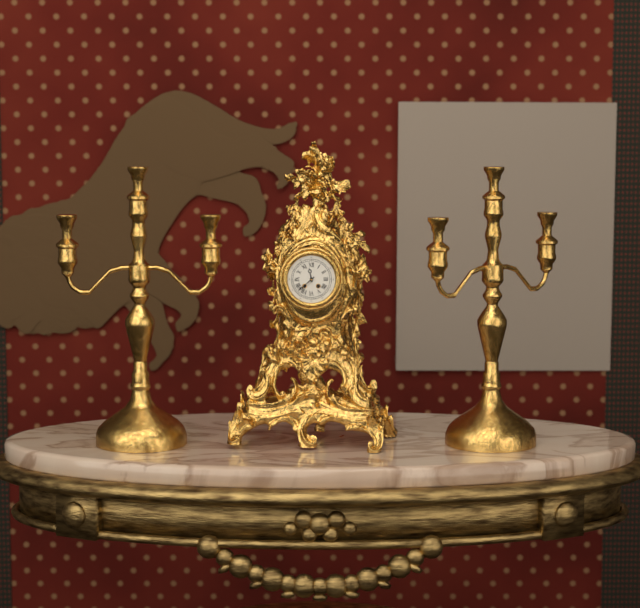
11:38
